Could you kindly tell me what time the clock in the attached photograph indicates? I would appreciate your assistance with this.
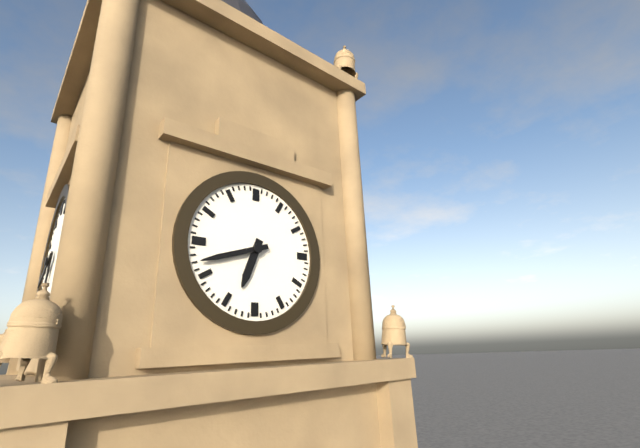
6:42
